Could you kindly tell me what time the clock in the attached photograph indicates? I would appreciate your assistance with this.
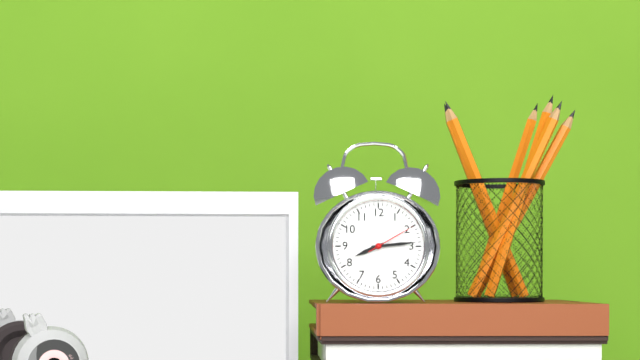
8:14:10
